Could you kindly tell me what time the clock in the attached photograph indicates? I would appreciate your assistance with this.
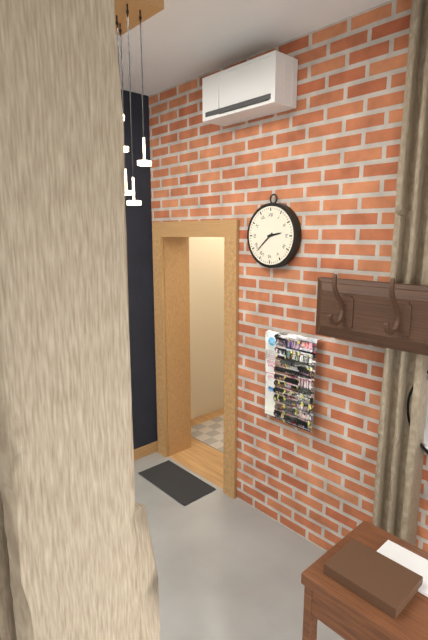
2:38
